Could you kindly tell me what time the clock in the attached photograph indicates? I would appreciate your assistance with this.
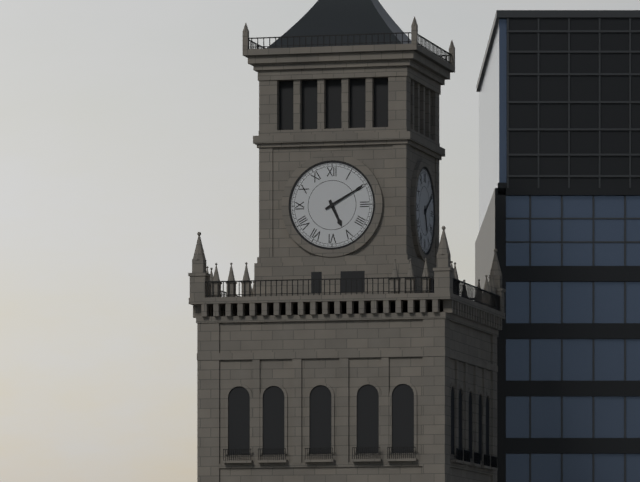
5:10
